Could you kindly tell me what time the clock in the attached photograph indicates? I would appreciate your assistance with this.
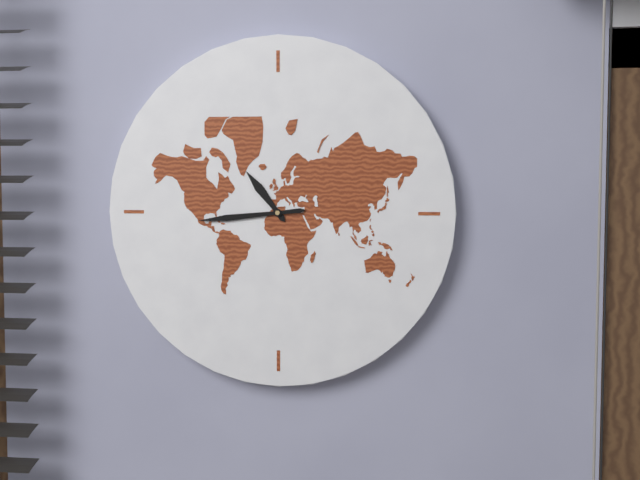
10:44
